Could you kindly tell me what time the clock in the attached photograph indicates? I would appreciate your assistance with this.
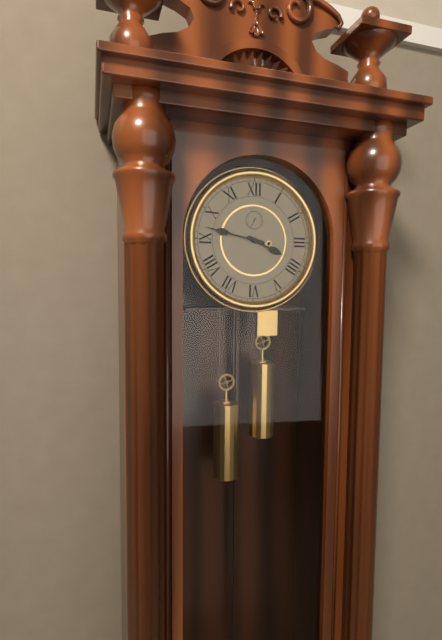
3:47
